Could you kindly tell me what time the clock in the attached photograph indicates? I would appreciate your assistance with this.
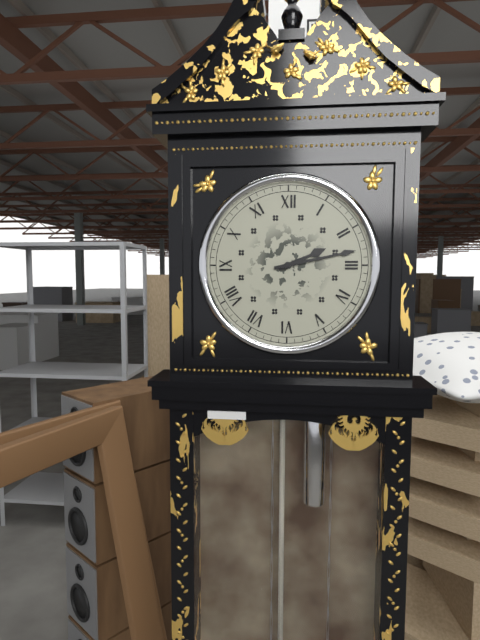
2:13
